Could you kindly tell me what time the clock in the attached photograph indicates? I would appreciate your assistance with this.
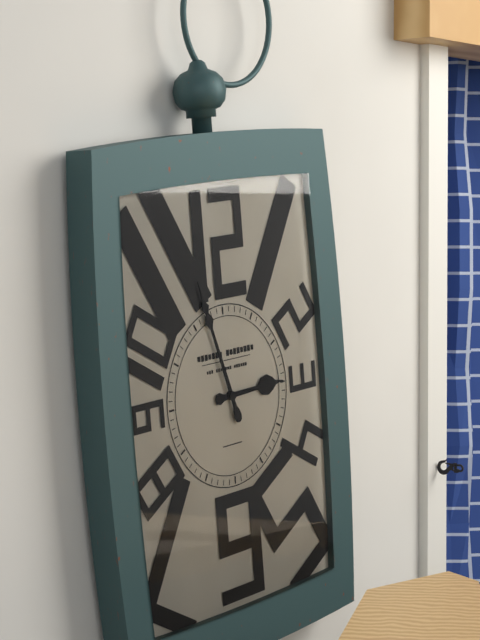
2:57
